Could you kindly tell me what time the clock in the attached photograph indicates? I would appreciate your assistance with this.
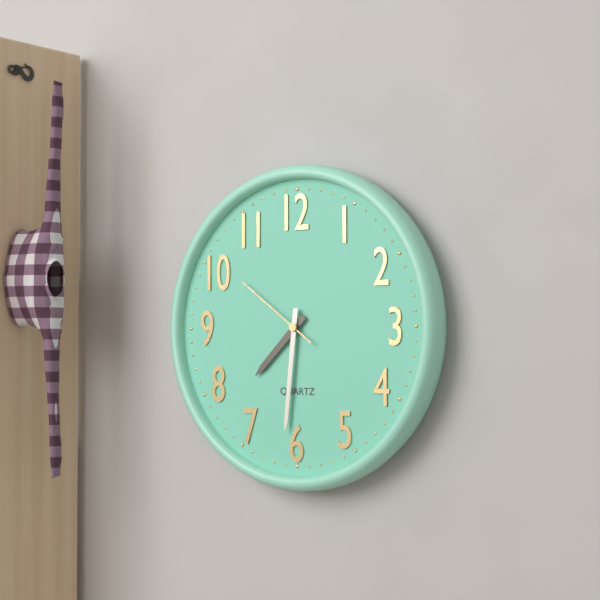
7:31:51
